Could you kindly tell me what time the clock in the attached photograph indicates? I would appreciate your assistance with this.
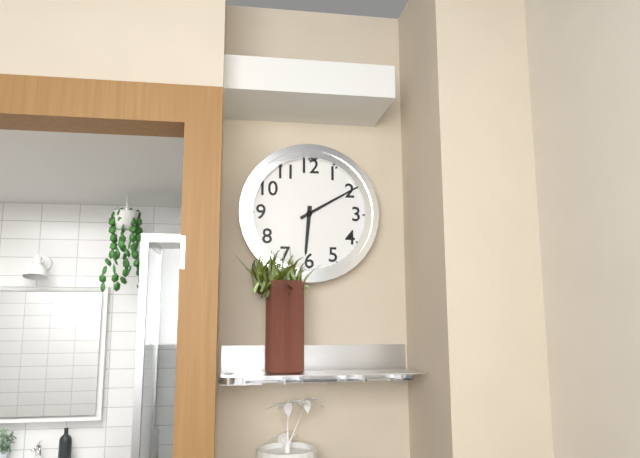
6:10
